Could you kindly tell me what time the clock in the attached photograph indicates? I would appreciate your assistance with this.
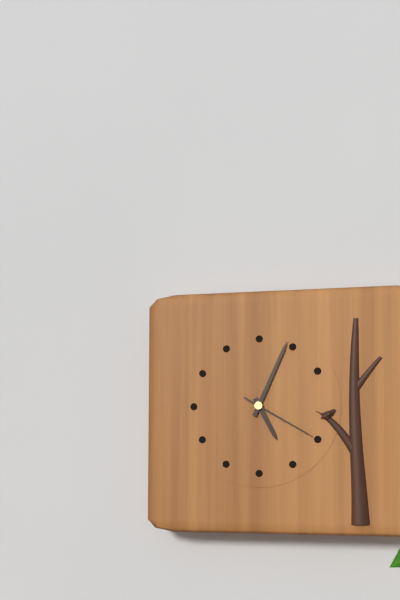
5:04:20
